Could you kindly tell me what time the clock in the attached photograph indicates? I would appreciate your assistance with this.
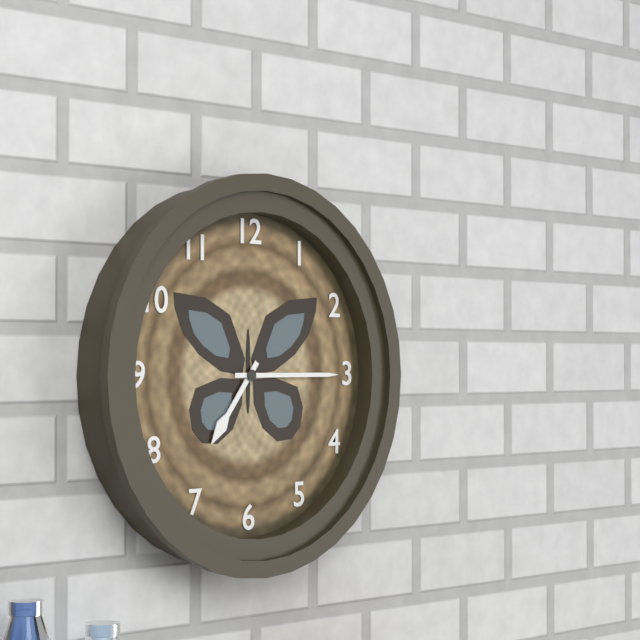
7:15
